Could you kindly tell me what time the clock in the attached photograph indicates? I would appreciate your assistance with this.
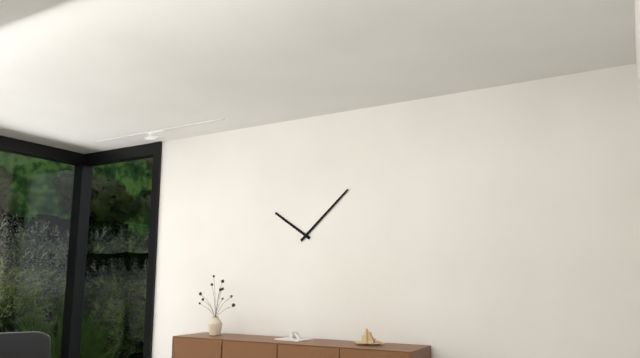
10:08
